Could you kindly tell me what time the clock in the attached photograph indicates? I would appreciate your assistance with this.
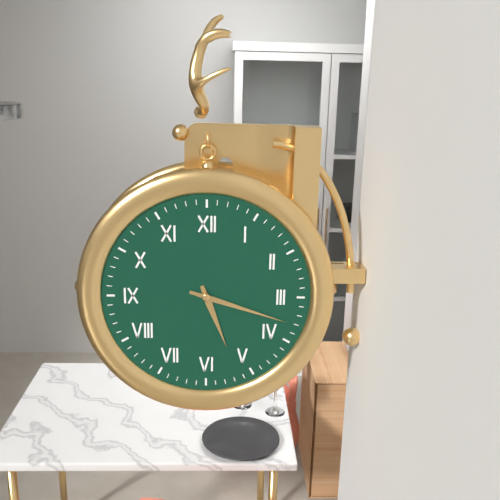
5:18
